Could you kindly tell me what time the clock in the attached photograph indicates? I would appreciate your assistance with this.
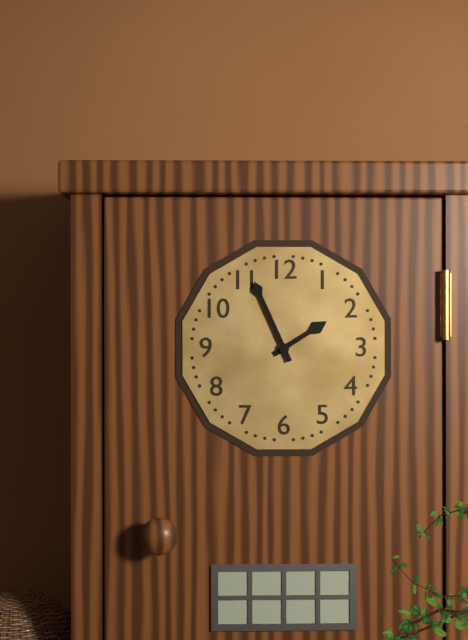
1:56
